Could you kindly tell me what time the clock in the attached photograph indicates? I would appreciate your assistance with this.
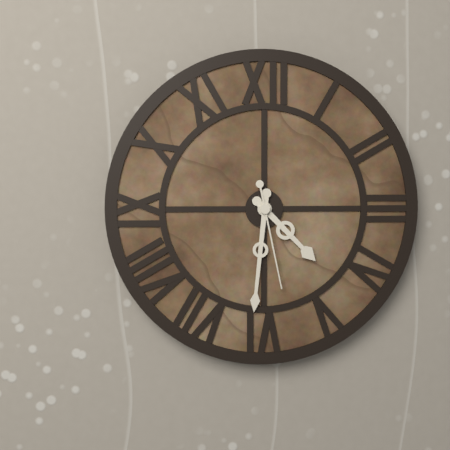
4:31:28
